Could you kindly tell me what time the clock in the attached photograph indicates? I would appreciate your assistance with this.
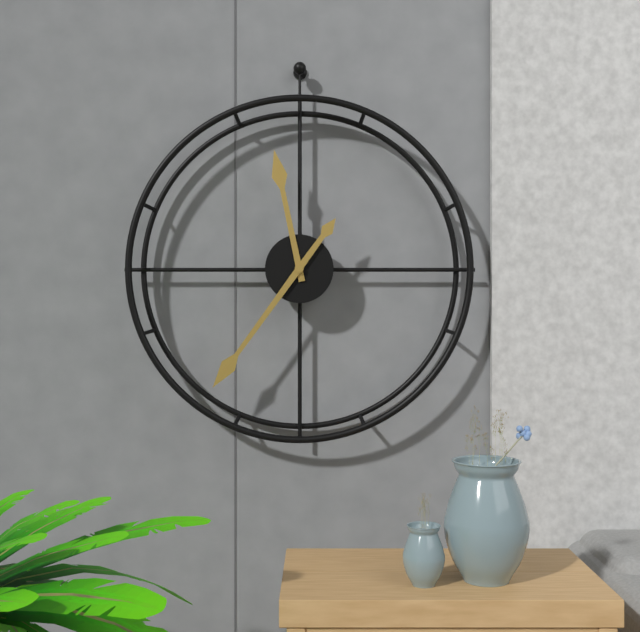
11:36
